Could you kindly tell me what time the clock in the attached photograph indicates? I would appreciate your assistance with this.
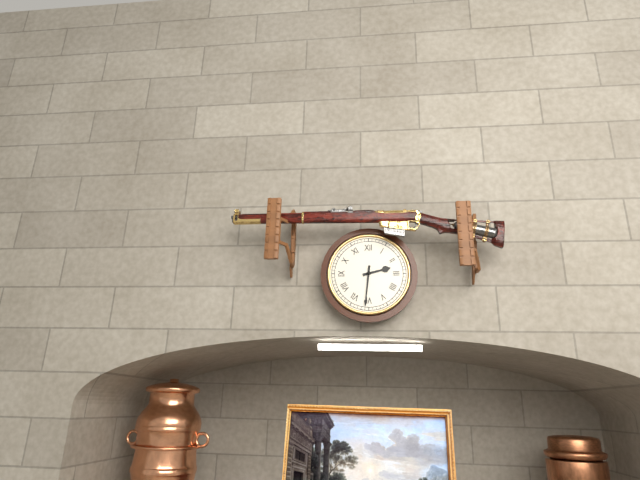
2:31
